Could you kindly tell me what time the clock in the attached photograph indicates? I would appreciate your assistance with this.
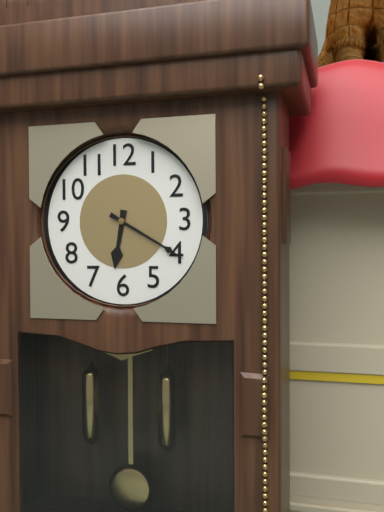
6:20
